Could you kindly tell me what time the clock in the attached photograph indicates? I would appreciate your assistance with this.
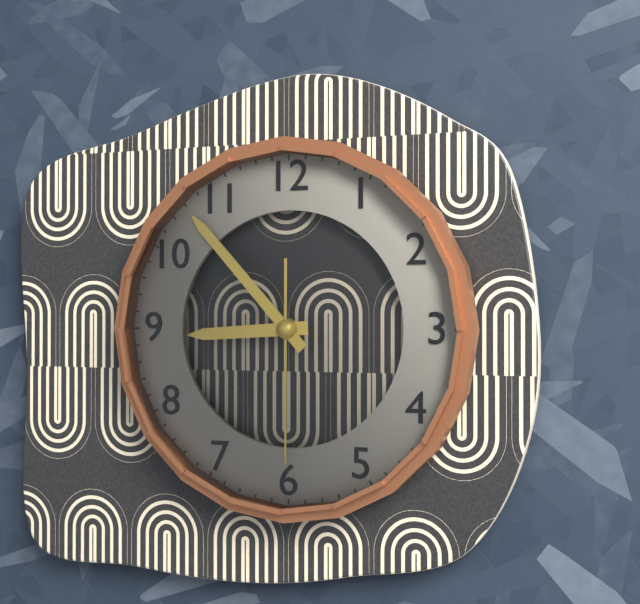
8:53:30
